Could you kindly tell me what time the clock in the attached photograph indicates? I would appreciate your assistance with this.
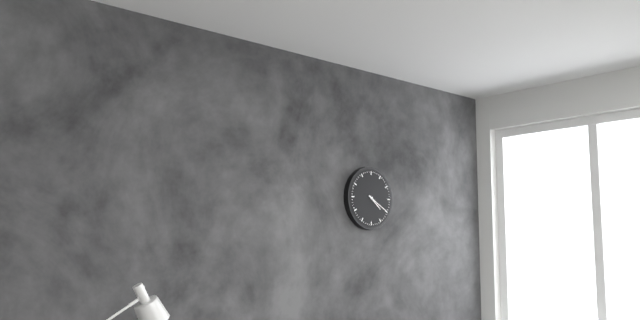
4:20
